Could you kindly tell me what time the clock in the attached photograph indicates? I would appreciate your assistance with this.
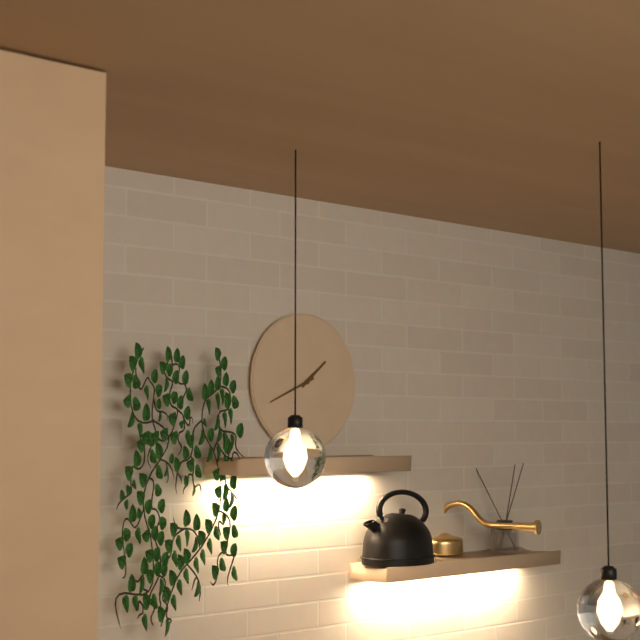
1:41
